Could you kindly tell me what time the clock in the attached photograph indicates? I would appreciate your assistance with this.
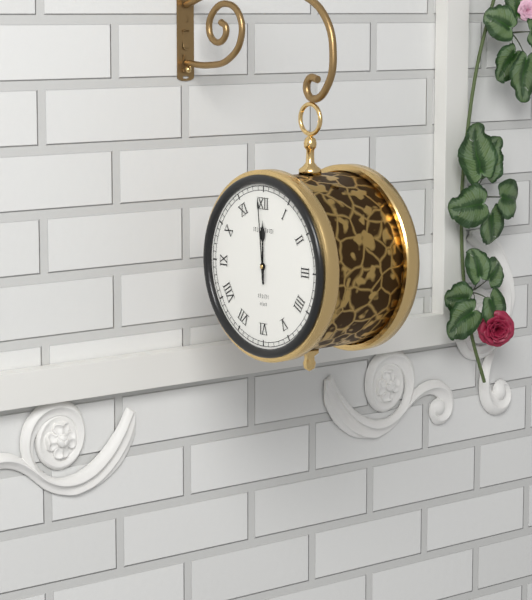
11:59
